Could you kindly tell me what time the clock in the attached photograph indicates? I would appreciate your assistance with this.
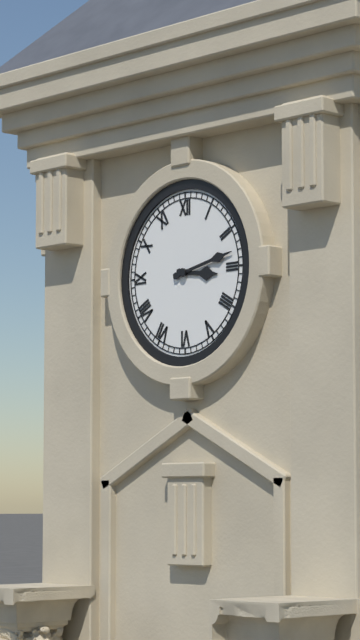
3:13
